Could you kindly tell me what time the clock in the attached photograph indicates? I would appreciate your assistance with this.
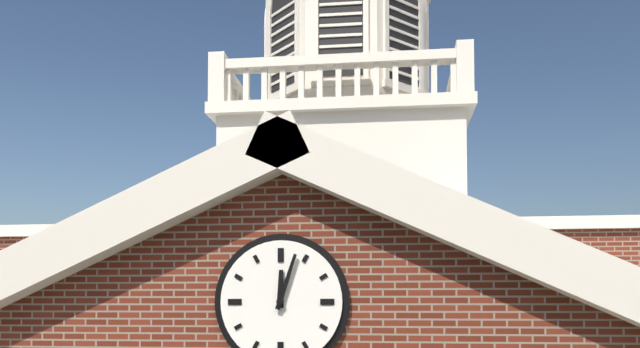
12:03
